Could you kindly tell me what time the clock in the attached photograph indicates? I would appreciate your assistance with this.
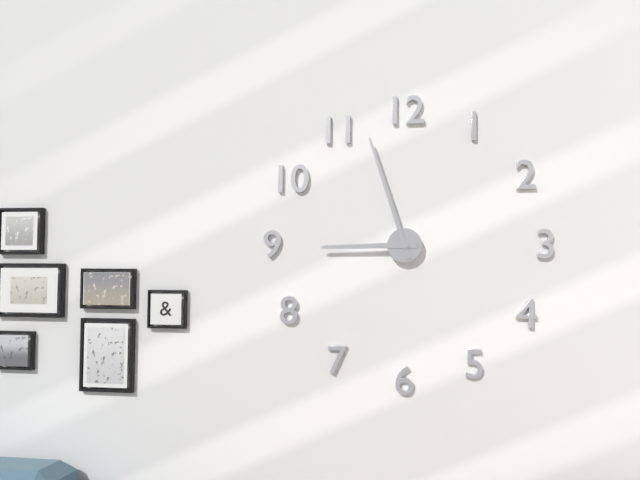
8:57
